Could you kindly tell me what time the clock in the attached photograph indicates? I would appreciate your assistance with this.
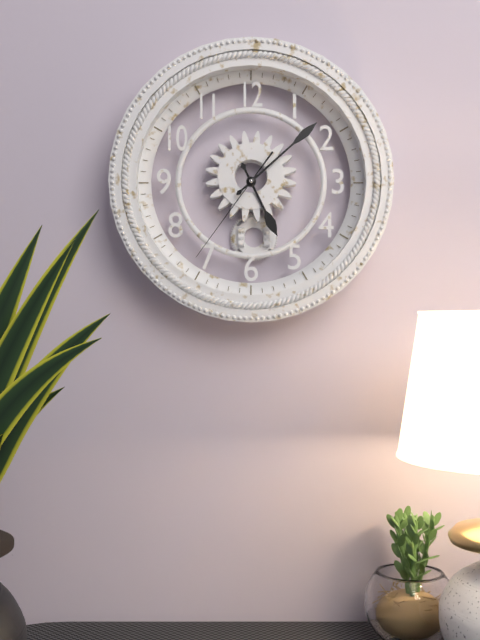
5:08:36
